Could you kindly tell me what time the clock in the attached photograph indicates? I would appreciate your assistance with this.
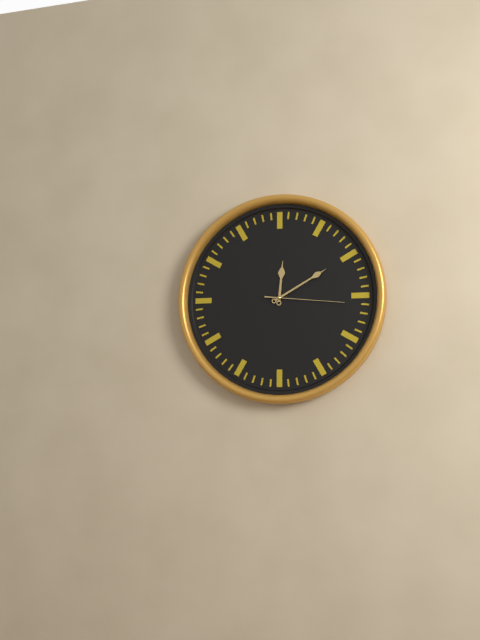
12:10:16
